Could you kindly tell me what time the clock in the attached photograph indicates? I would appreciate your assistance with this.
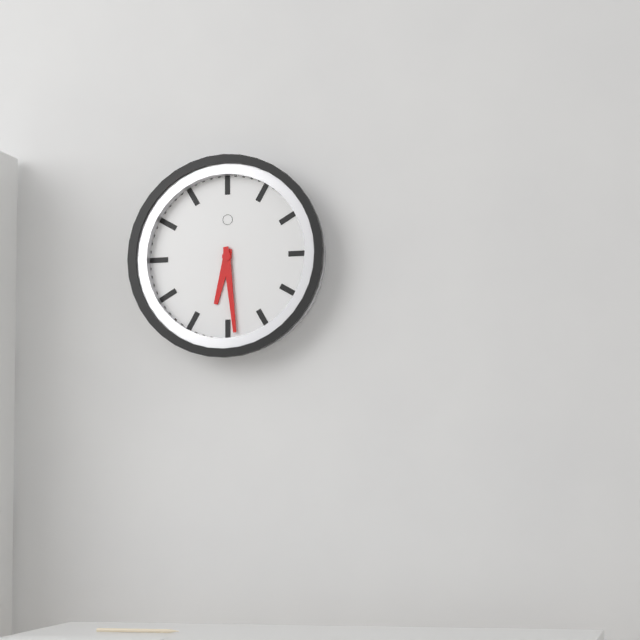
6:29
